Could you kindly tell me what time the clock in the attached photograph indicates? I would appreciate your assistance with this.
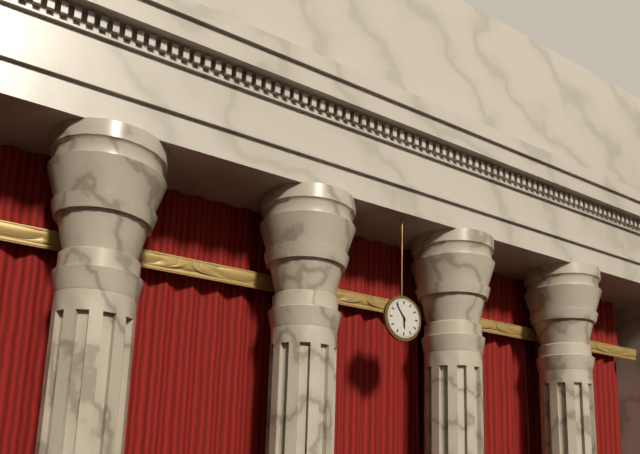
5:54
